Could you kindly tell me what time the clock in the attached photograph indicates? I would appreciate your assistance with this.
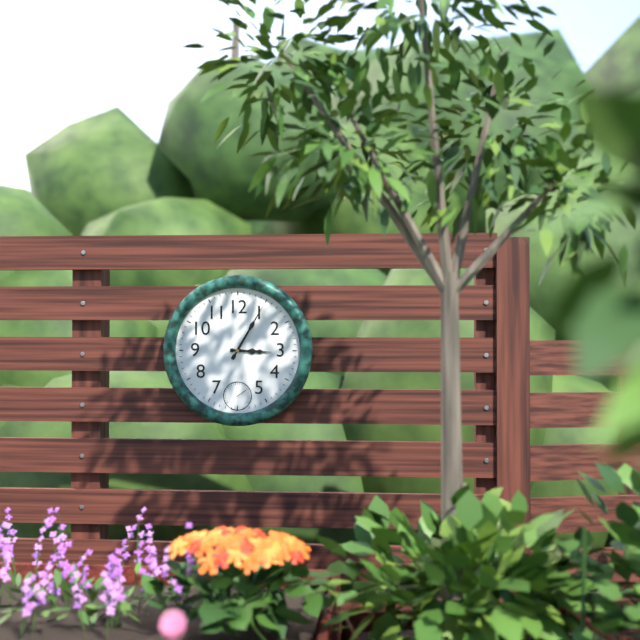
3:05
